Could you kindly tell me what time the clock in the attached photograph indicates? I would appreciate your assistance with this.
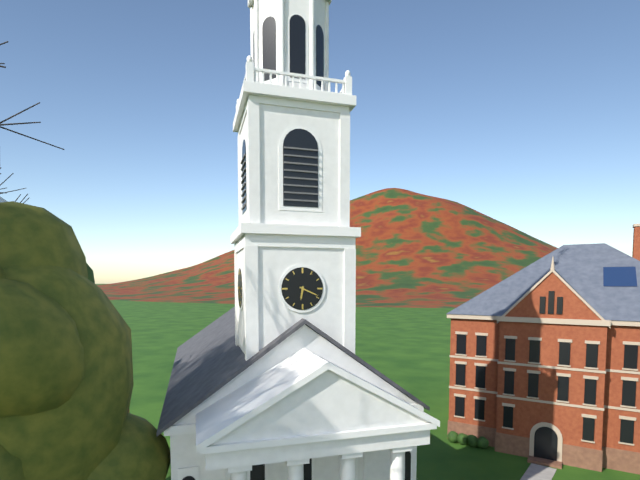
6:19
